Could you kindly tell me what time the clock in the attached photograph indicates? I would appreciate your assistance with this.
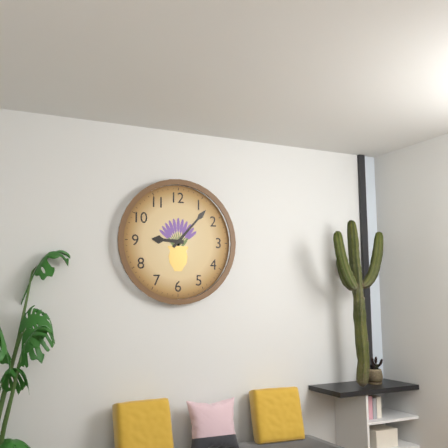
9:07
